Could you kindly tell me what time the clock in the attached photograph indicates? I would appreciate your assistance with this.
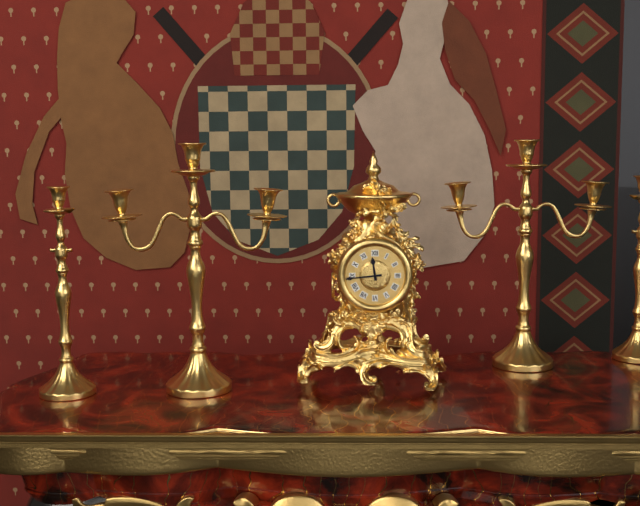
11:44
